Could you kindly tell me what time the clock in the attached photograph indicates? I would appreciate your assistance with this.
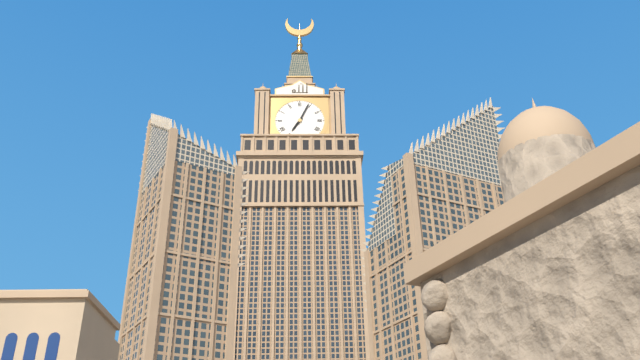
7:04
